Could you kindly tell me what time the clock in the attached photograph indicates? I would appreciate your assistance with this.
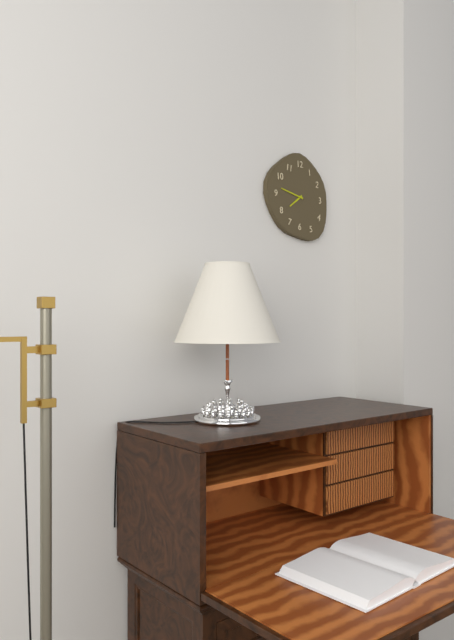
7:47
